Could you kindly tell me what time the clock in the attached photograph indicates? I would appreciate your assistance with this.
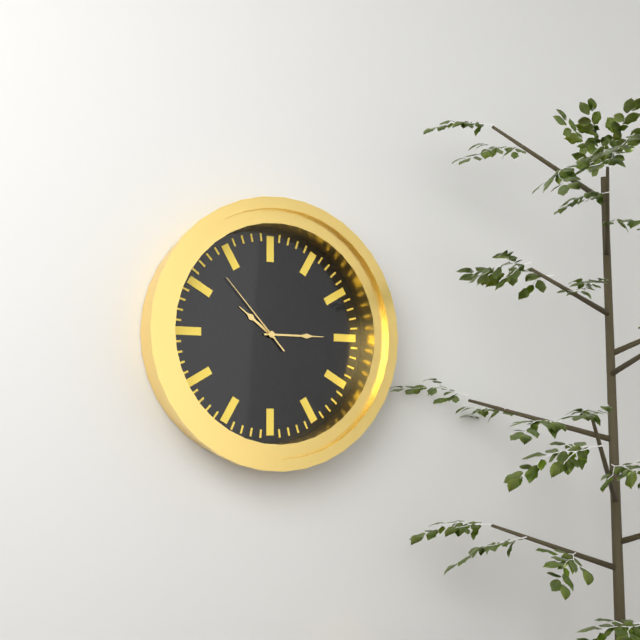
10:15:53
